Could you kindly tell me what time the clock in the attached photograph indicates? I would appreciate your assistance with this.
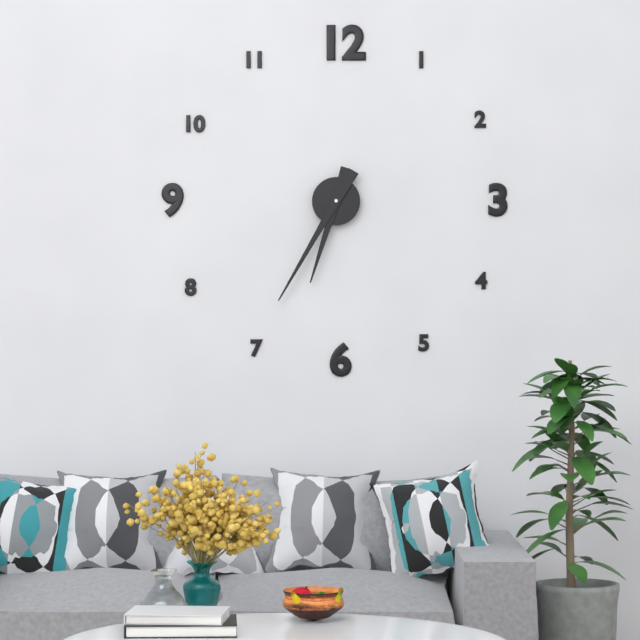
6:35
